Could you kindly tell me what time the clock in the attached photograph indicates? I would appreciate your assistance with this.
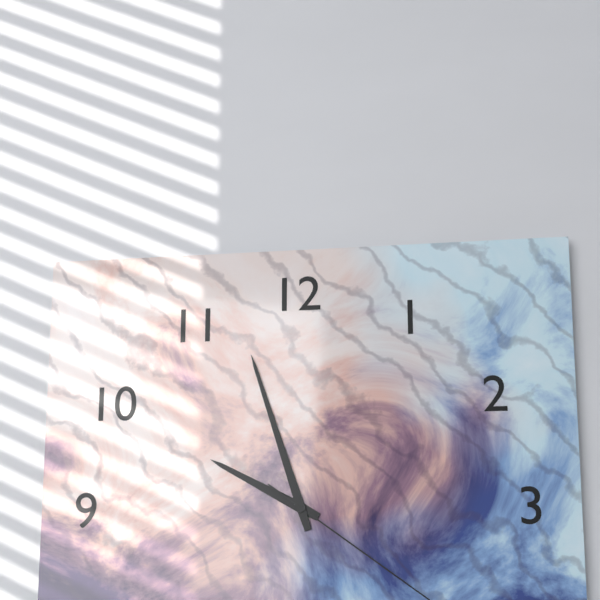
9:57
